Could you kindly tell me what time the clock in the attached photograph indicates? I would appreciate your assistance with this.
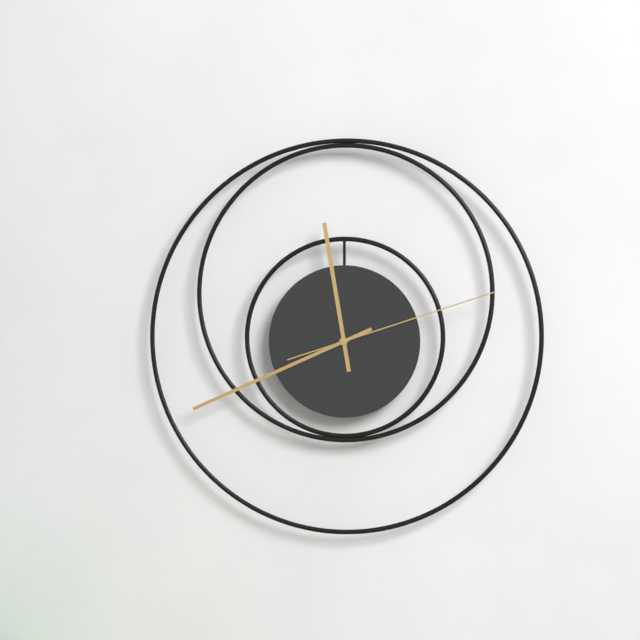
11:41:12
